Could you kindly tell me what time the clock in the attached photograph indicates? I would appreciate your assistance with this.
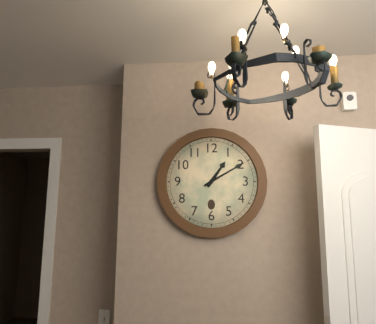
1:10
